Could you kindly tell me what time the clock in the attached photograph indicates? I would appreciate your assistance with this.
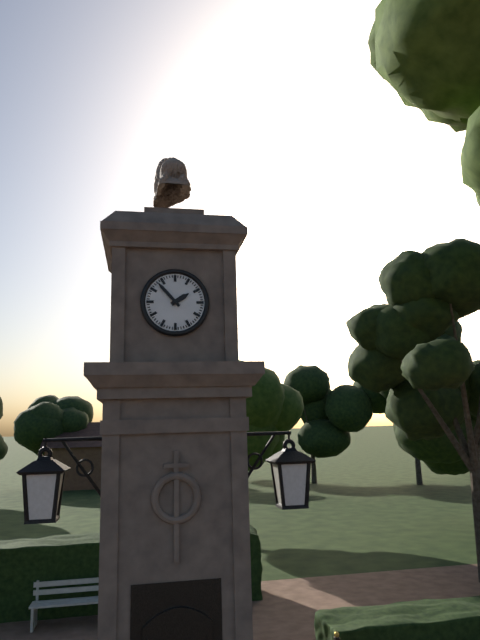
1:53
